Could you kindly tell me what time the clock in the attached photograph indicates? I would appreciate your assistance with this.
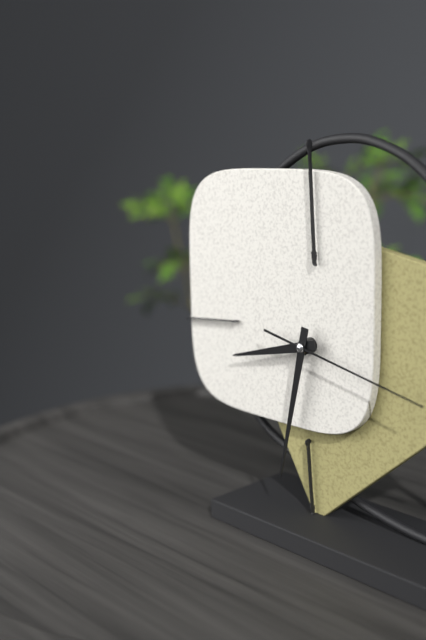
8:32:17
